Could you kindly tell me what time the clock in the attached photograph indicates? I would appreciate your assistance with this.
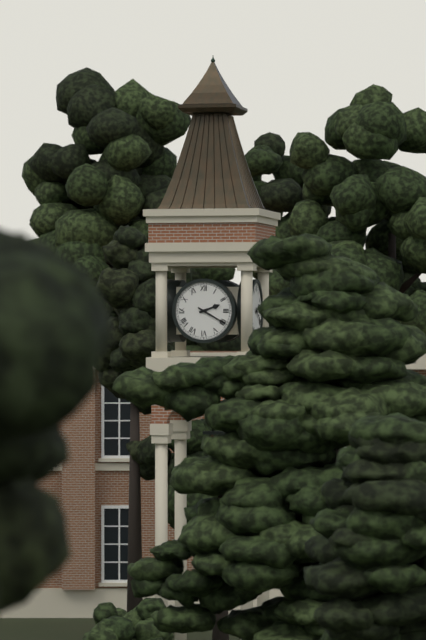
2:20
